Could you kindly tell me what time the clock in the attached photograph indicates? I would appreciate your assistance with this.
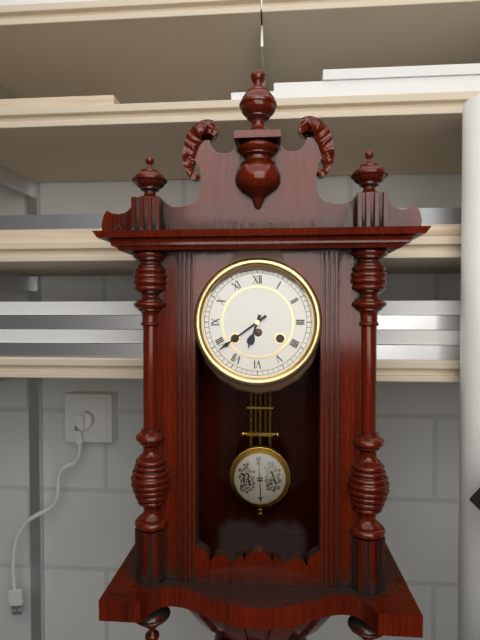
6:39
